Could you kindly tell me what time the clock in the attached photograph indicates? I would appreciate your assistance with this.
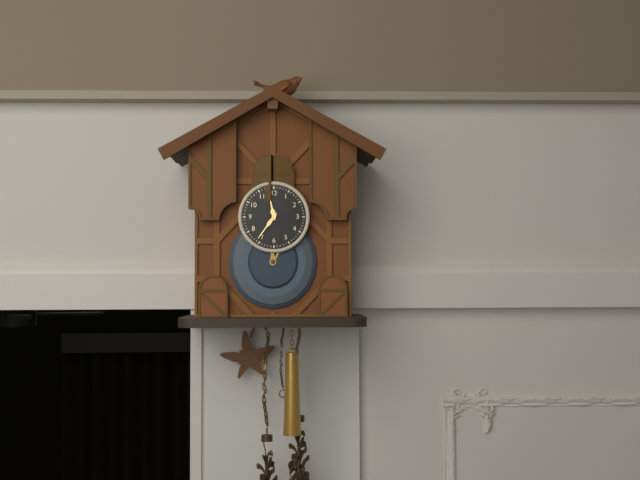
11:36
